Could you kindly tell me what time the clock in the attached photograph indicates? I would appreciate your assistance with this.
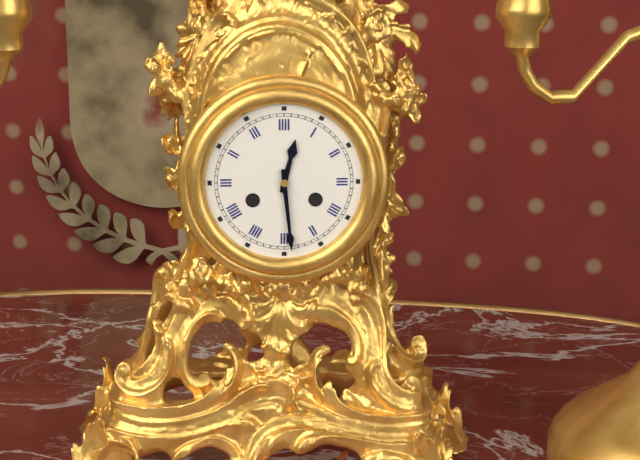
12:29
